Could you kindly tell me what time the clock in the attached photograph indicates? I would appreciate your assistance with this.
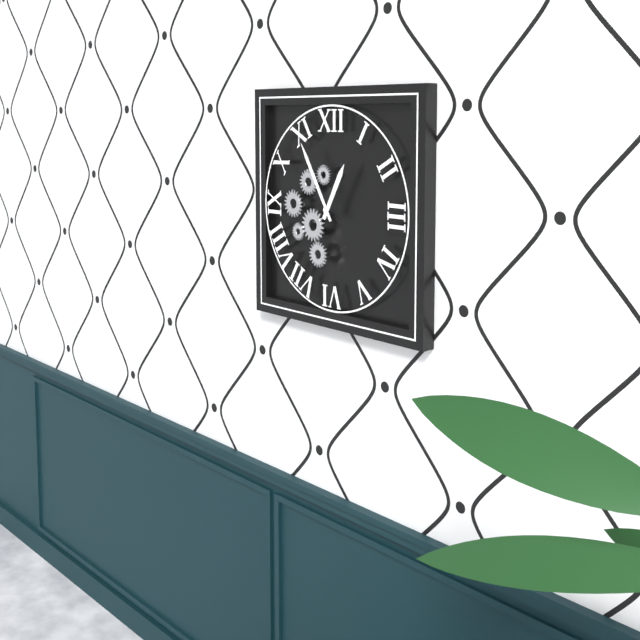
12:55
